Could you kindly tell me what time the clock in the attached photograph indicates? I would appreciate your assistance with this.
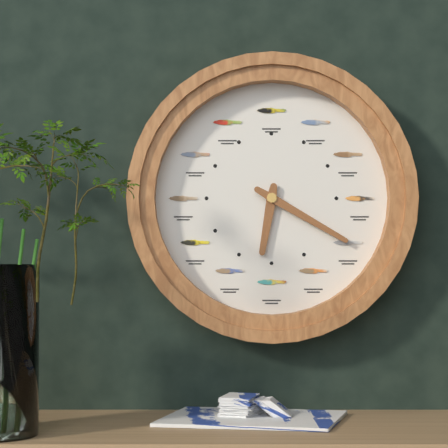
6:20
